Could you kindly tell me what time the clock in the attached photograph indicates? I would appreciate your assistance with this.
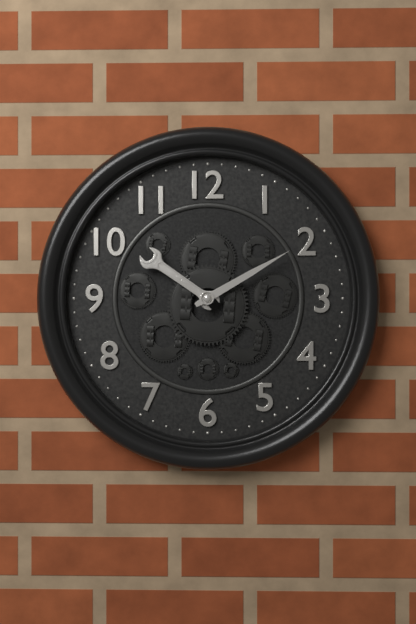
10:10
